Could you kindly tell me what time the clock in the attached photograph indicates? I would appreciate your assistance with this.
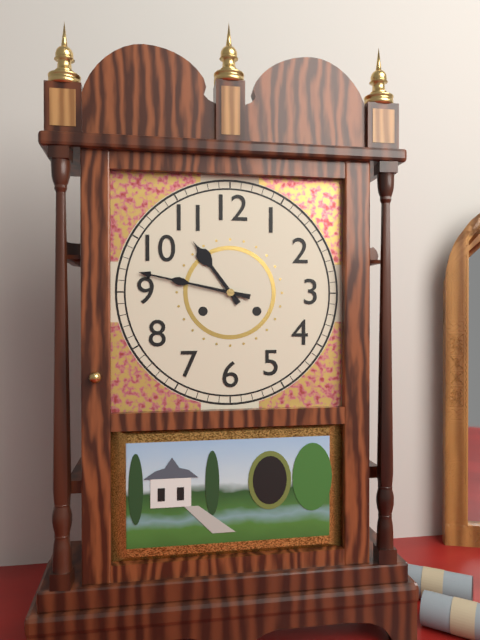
10:47
